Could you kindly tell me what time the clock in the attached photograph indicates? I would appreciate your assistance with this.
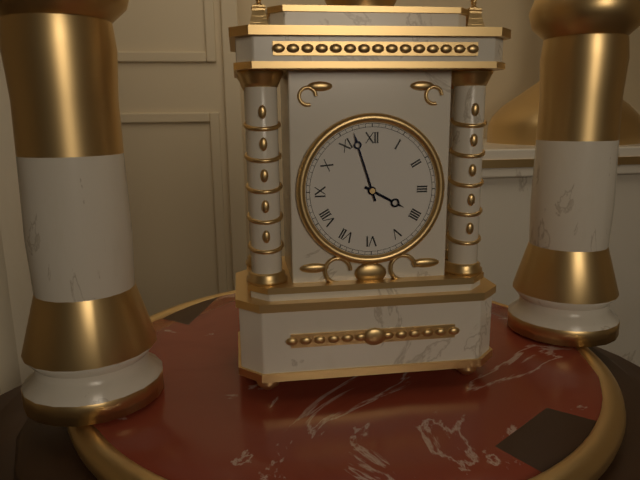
3:57
